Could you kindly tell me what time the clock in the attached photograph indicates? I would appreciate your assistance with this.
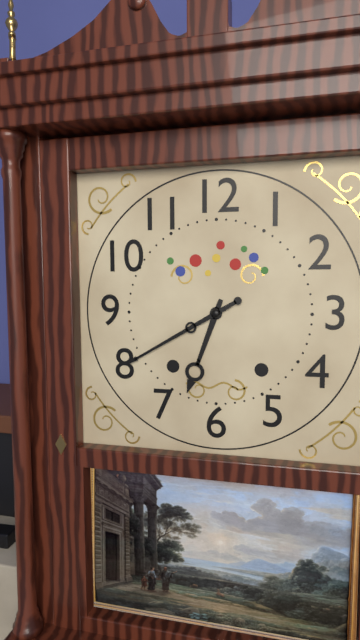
6:40
